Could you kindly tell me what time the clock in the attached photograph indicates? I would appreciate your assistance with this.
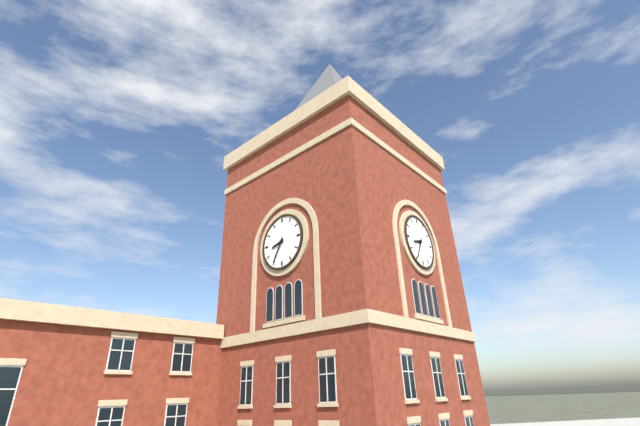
8:35
